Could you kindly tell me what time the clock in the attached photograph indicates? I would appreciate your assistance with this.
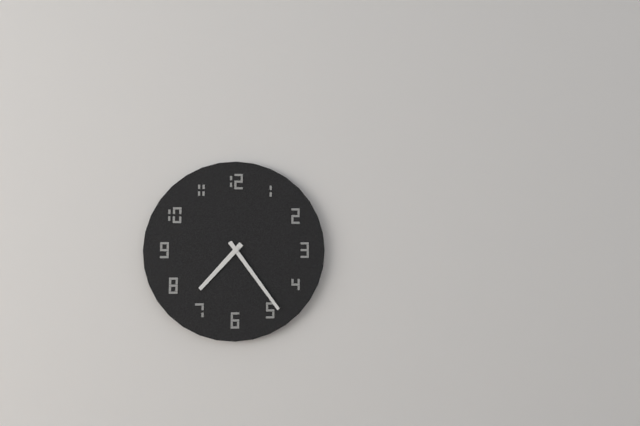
7:24
